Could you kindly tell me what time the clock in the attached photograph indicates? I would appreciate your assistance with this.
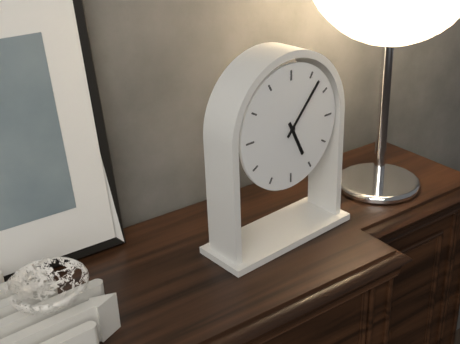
5:07
